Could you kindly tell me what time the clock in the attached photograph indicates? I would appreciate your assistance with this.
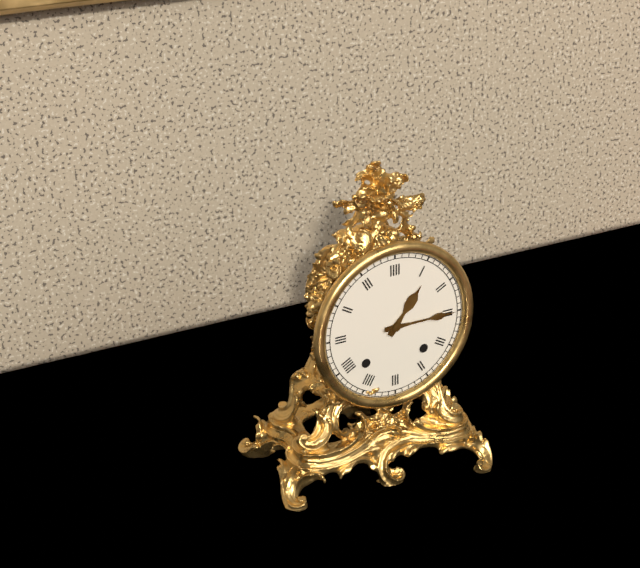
1:15
